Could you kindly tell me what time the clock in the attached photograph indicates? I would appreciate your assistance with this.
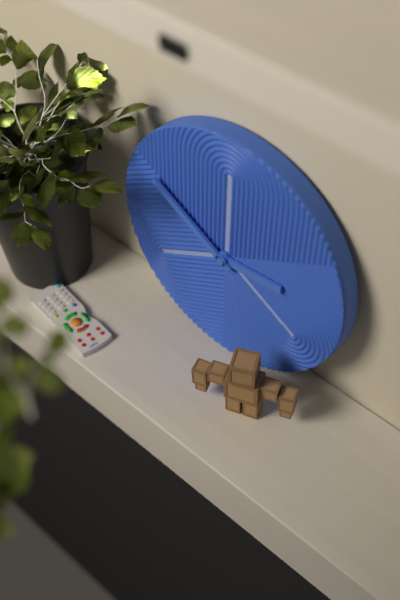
2:50
